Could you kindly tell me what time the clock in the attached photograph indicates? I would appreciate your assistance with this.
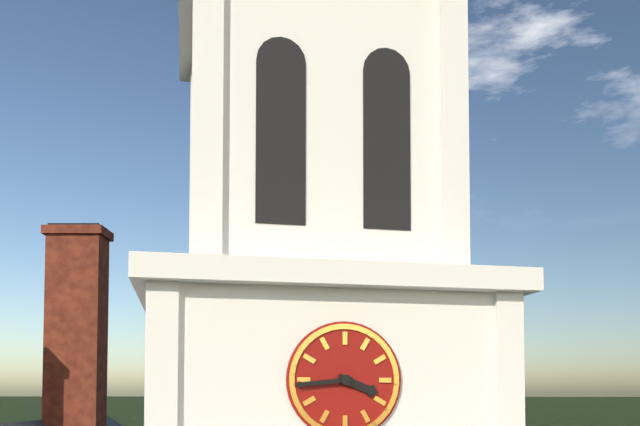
3:44
